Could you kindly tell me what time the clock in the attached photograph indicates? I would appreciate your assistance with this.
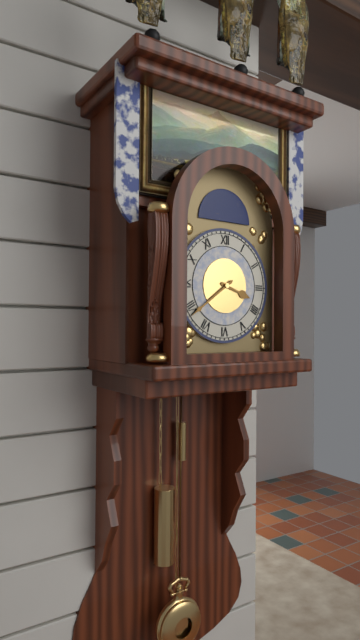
3:39
